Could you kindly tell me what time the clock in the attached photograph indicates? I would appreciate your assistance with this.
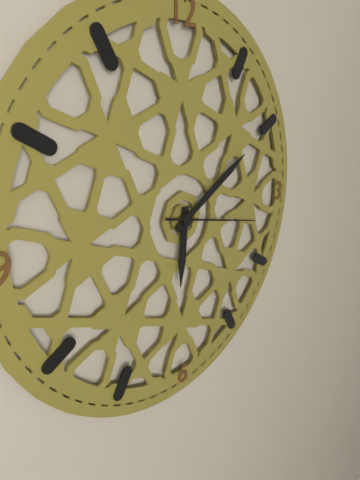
6:10:17
